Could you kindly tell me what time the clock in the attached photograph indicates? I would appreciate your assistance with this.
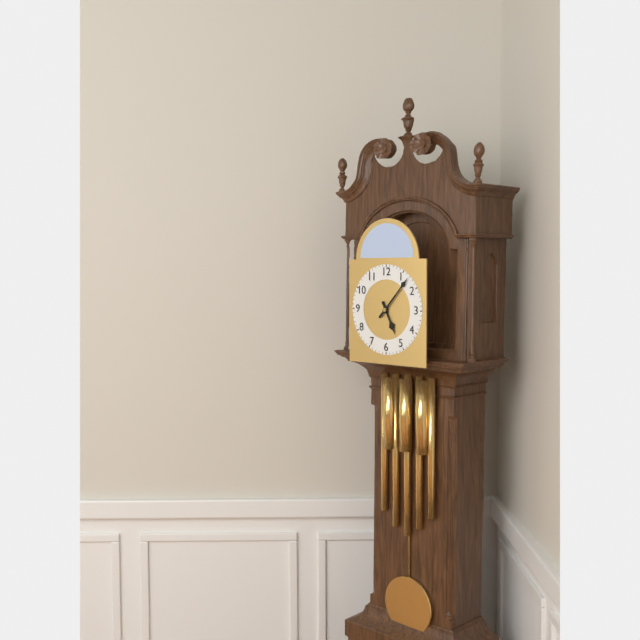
5:07
